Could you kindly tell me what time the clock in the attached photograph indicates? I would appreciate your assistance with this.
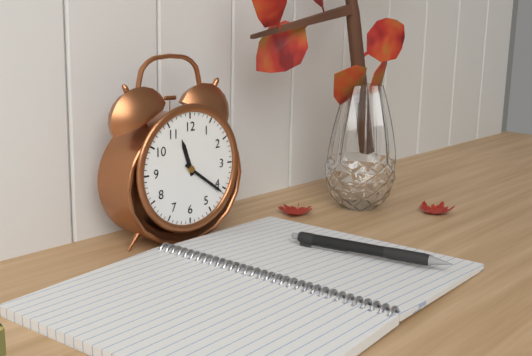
11:21
